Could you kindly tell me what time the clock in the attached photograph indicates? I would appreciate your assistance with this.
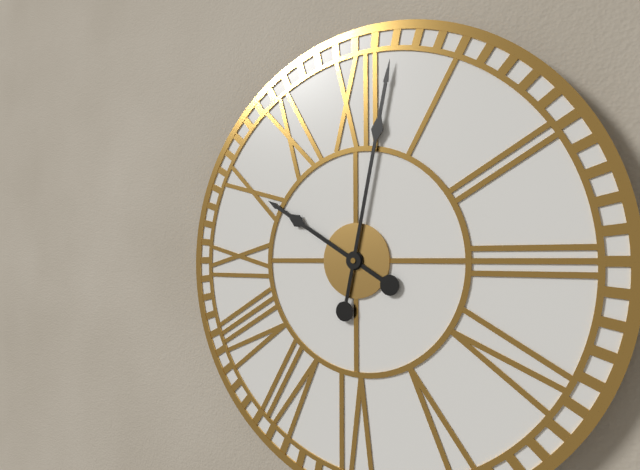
10:02
